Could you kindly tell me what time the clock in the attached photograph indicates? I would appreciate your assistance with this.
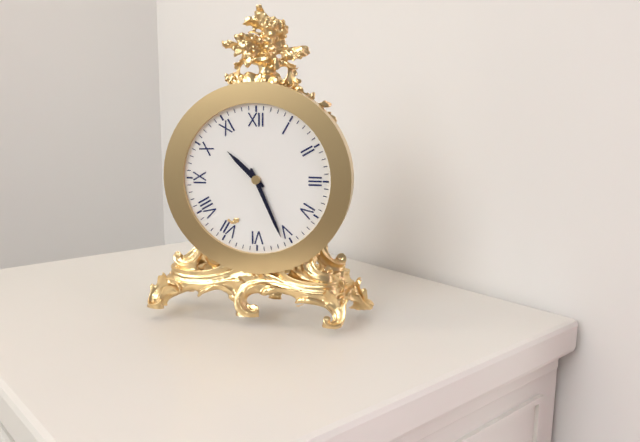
10:26
